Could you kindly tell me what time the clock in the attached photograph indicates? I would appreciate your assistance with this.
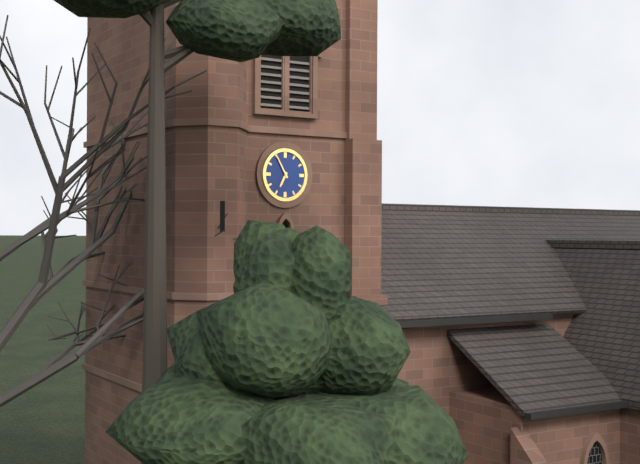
6:55
